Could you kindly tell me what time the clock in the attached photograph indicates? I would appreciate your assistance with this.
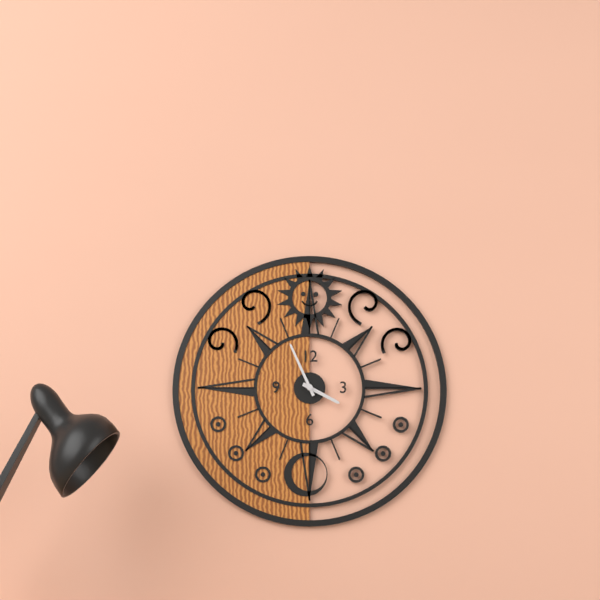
3:56
